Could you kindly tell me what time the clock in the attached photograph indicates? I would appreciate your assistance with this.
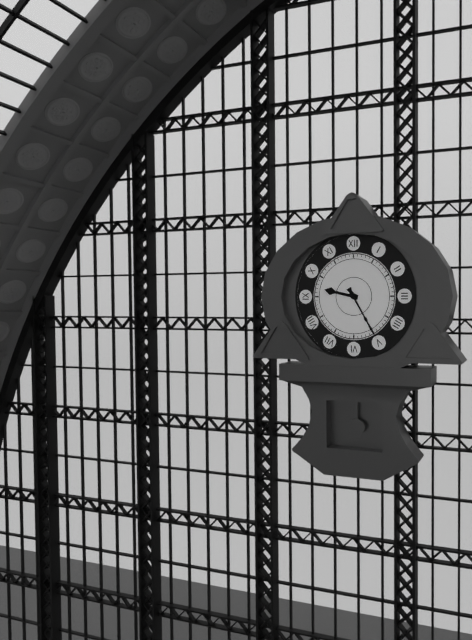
9:25
